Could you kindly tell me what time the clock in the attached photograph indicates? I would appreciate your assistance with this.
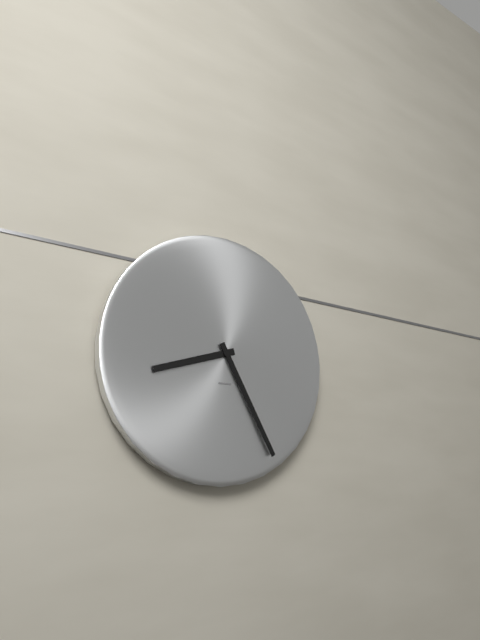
8:25
